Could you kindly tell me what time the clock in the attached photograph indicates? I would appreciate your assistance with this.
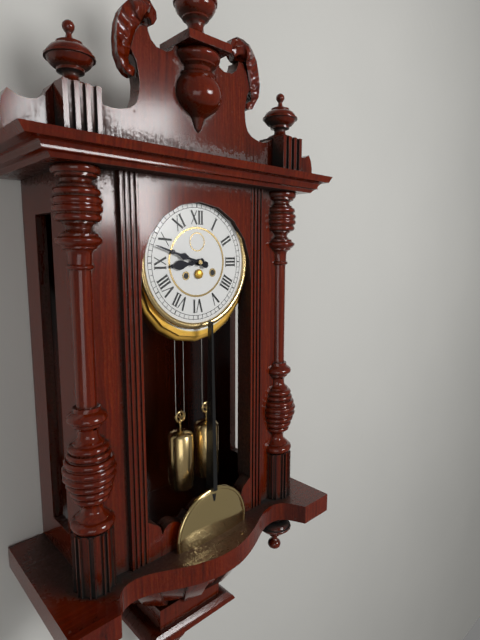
8:48
